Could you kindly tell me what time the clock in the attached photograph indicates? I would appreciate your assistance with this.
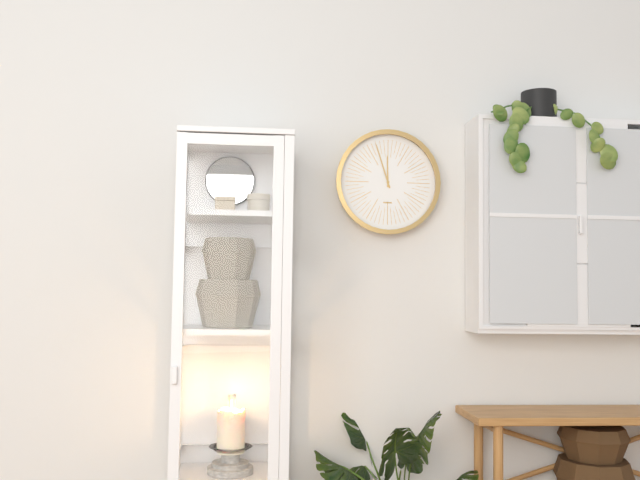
11:57
